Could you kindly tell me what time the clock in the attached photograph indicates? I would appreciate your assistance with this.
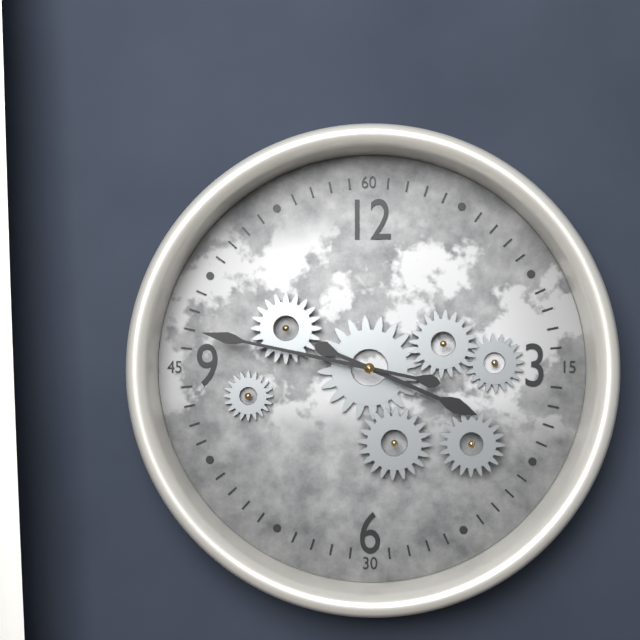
3:47
